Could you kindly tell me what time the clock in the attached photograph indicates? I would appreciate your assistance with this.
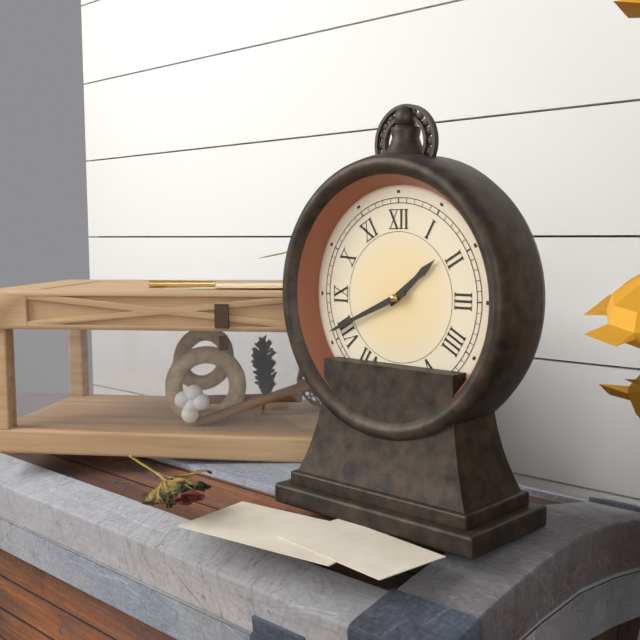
1:41
